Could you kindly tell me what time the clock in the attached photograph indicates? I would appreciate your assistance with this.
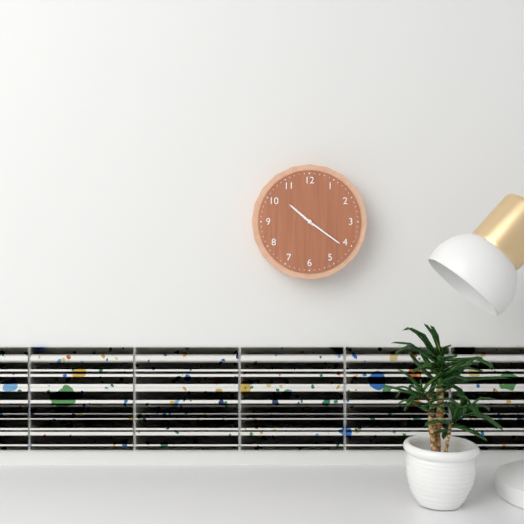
10:21
